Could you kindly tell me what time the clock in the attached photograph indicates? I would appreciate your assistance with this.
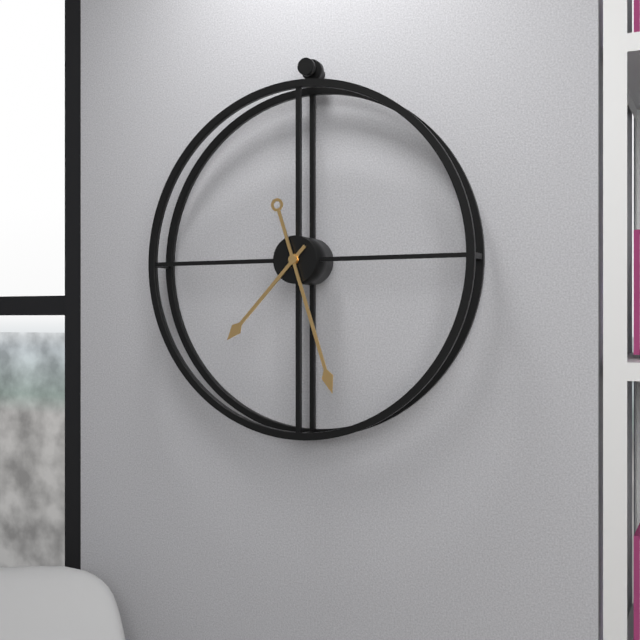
7:27
